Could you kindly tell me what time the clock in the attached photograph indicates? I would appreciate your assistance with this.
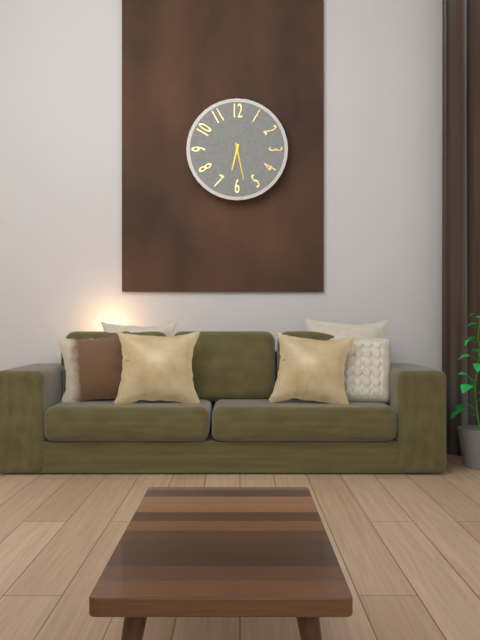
6:28
